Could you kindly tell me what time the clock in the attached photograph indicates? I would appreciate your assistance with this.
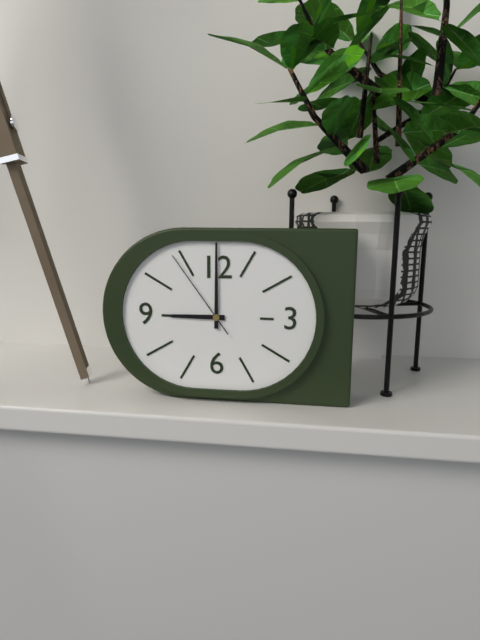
9:00:54
